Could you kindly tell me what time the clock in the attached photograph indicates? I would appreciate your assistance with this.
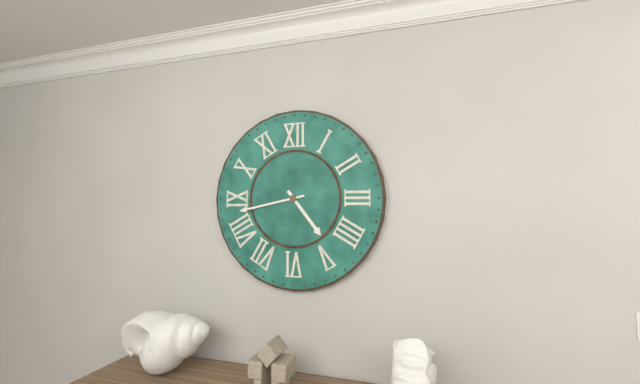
4:43
